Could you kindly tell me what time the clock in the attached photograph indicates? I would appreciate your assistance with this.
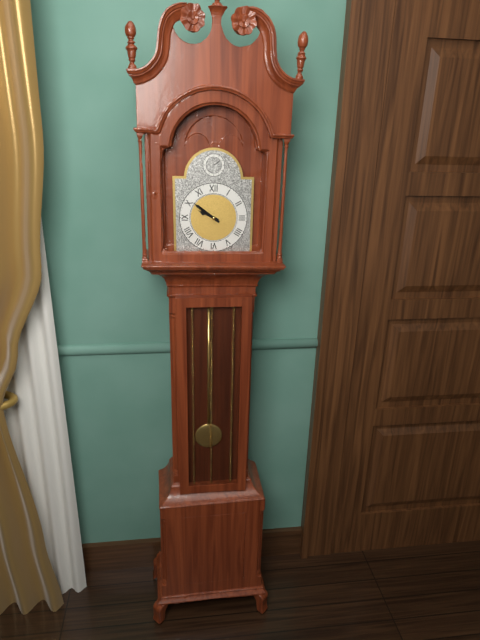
9:51
